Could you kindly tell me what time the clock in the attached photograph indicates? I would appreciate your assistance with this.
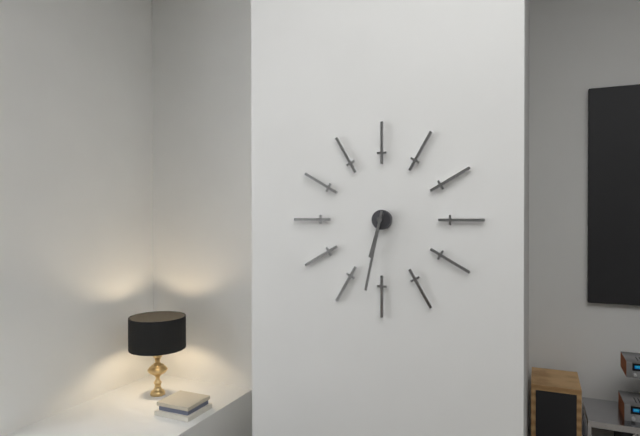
6:32
